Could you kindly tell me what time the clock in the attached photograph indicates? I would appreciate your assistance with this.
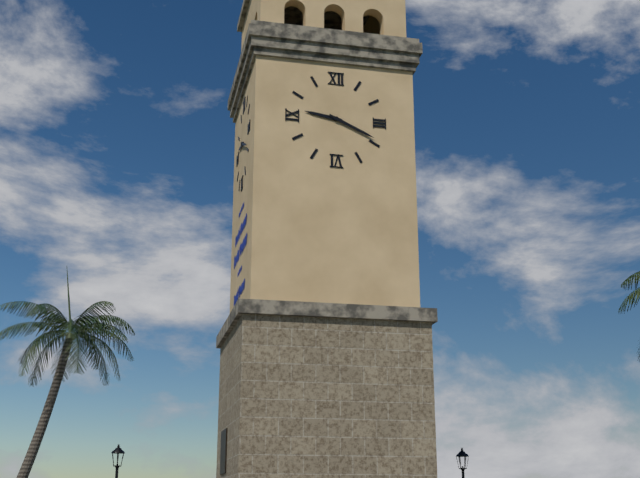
9:19
